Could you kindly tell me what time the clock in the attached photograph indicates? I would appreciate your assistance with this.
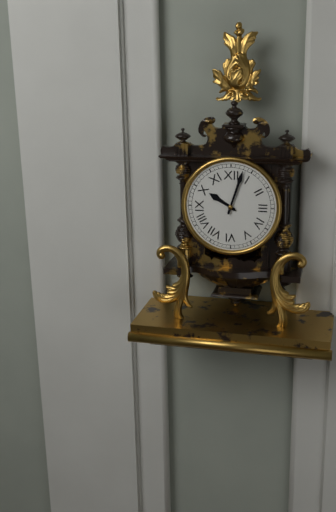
10:03
